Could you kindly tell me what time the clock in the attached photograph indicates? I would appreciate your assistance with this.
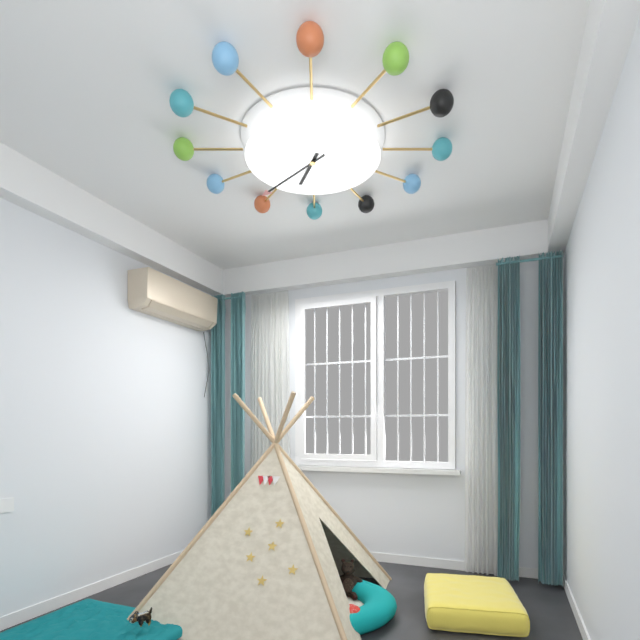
6:37
